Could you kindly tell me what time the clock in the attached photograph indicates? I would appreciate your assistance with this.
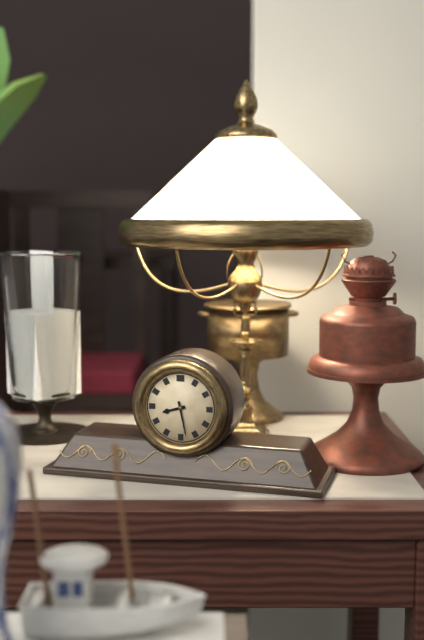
8:28
